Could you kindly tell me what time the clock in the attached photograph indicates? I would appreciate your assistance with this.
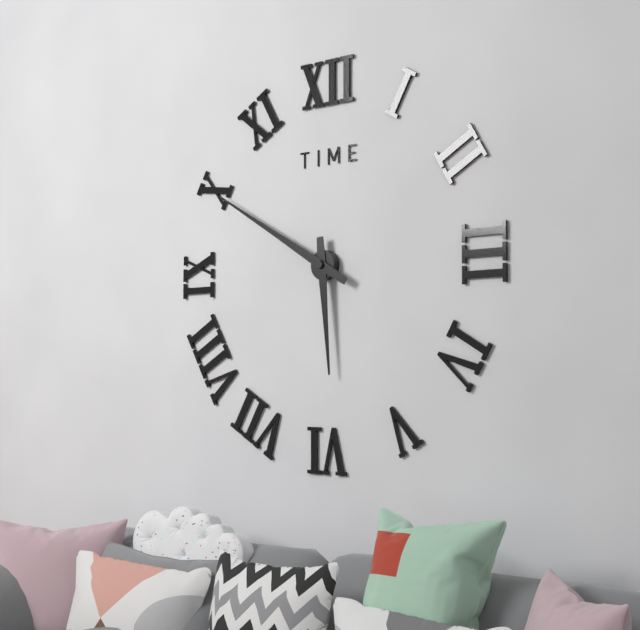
5:50
